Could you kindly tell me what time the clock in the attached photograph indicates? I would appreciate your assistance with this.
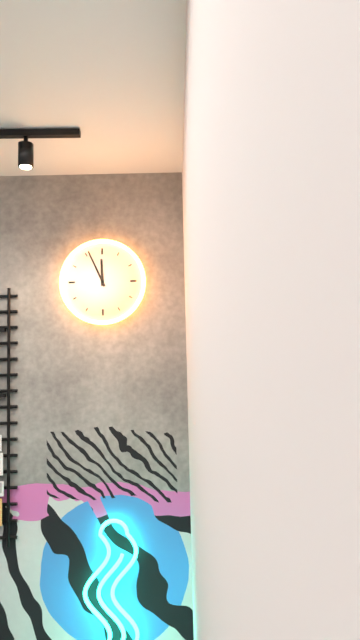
11:56
